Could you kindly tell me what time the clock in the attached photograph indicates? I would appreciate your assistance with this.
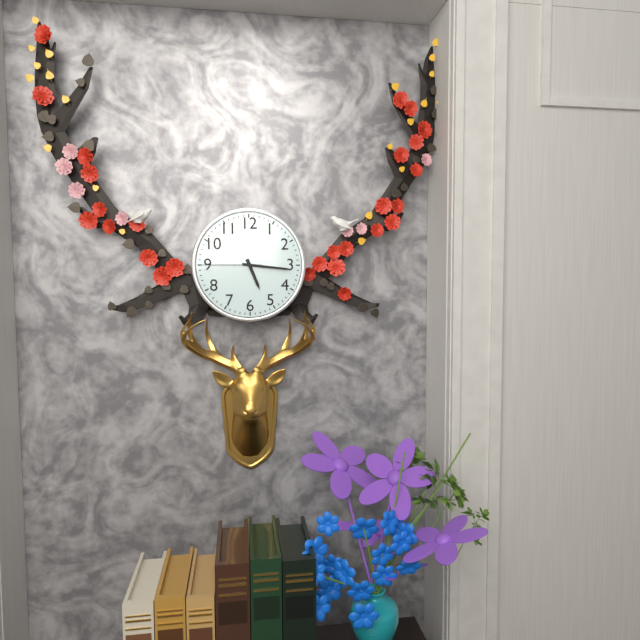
5:16:45
